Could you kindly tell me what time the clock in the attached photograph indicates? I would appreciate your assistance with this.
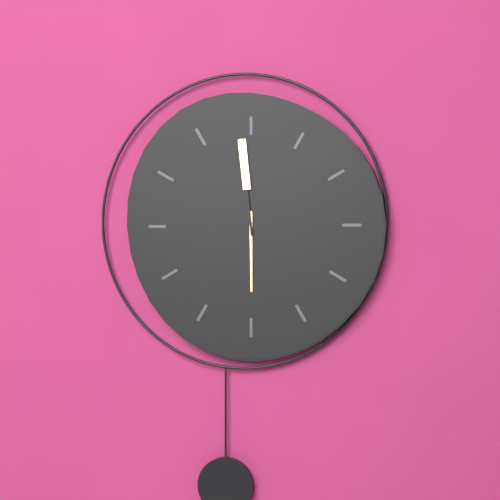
5:59
